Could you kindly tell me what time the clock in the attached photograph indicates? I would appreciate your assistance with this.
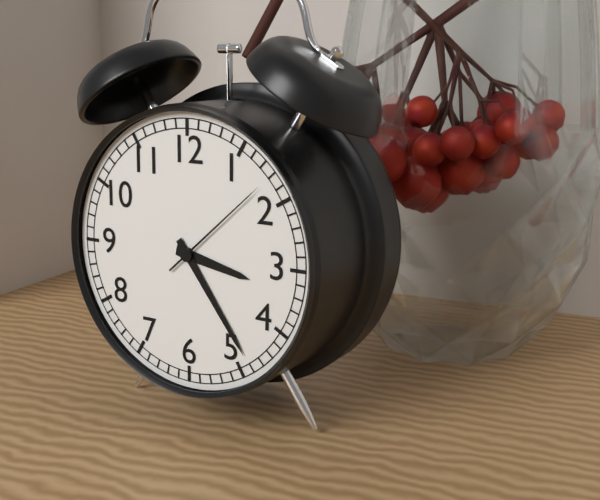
3:24:08
